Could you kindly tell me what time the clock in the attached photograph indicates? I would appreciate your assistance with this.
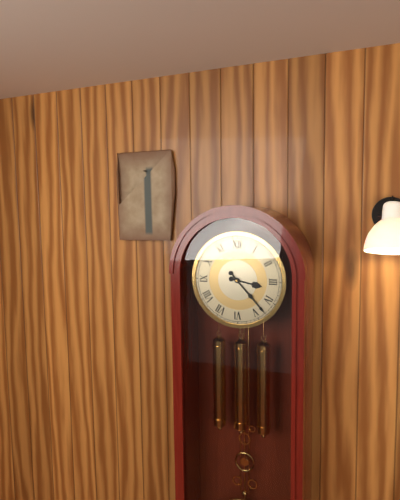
3:23
